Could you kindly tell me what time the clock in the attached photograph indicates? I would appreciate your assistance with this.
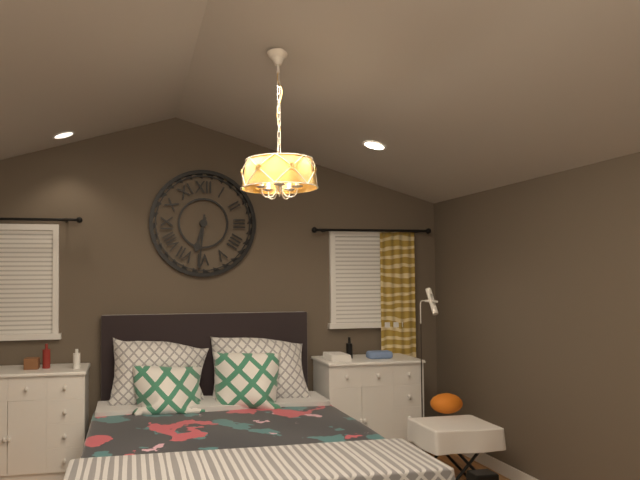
6:31
